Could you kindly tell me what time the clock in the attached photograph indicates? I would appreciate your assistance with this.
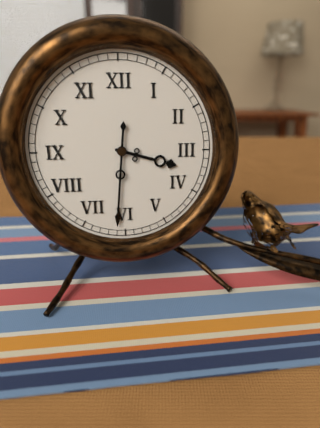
3:31
